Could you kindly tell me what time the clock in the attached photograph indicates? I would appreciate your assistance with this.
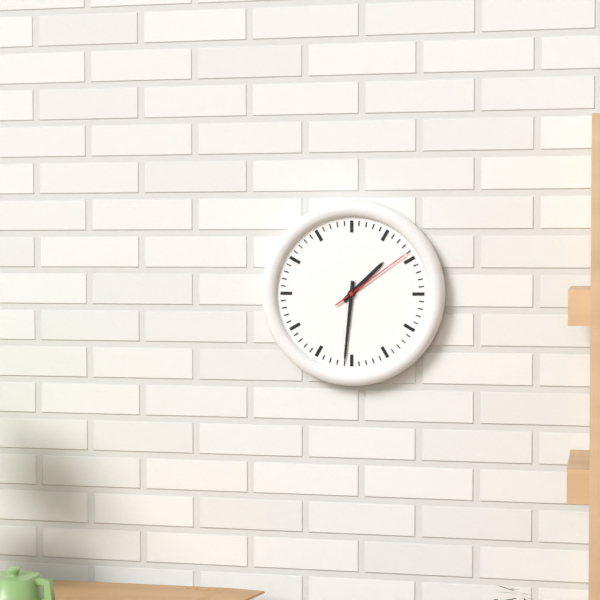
1:31:09
